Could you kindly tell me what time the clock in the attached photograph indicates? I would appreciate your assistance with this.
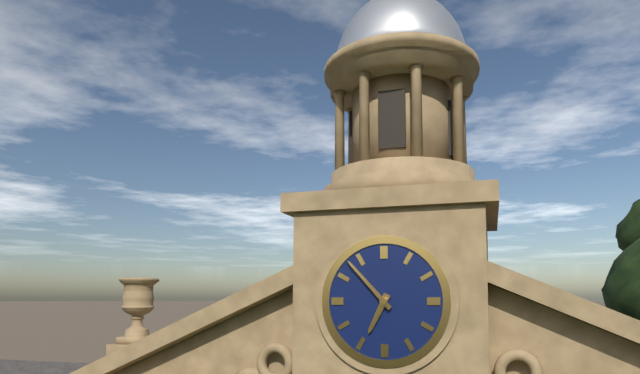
6:53
